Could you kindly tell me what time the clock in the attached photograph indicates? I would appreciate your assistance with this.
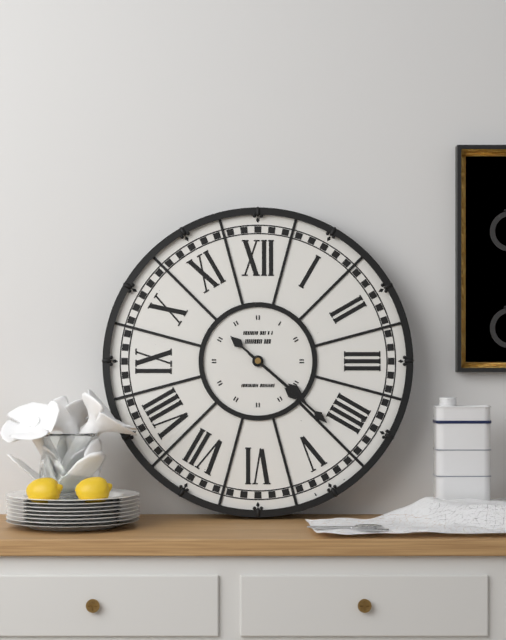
4:22
